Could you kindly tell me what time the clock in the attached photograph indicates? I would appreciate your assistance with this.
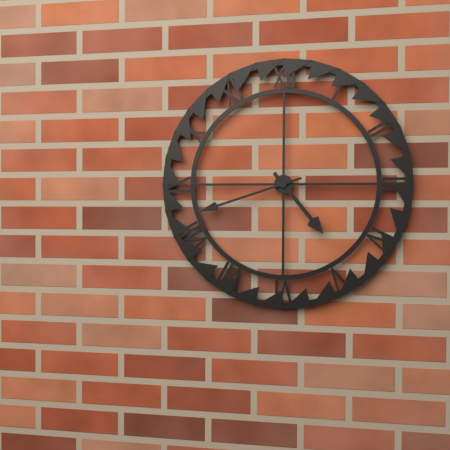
4:42
